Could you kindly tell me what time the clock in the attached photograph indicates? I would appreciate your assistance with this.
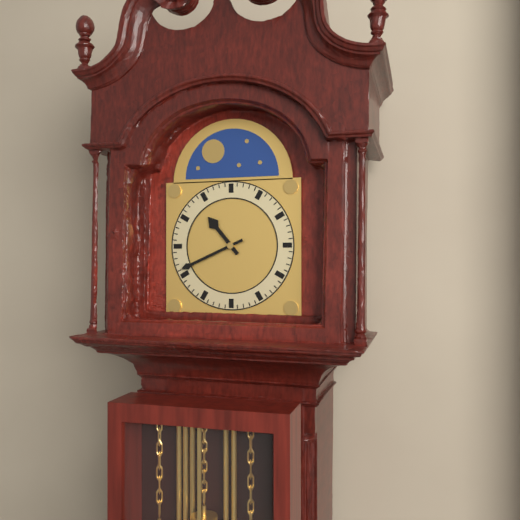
10:41
